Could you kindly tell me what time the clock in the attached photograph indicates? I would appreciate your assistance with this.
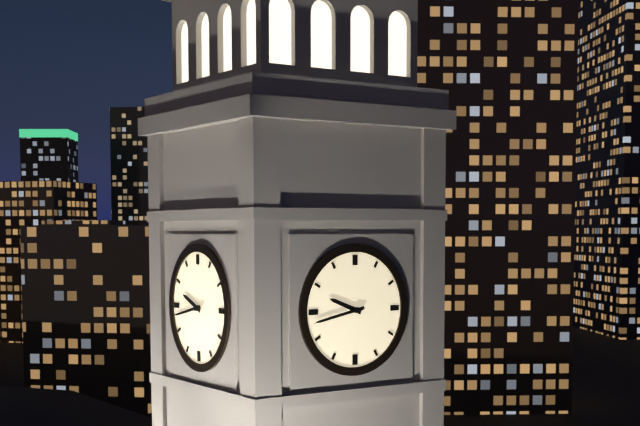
9:43
